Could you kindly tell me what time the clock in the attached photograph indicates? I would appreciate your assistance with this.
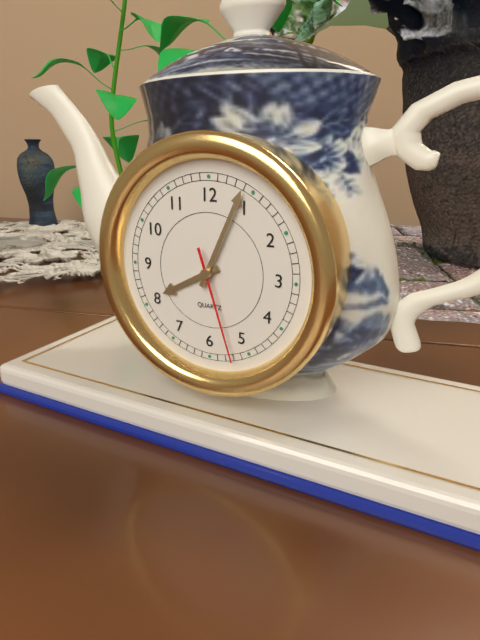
8:04:27
